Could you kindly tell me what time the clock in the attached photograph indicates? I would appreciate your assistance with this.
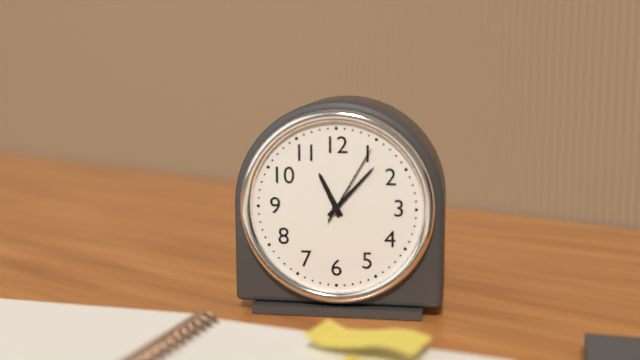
11:07:05
